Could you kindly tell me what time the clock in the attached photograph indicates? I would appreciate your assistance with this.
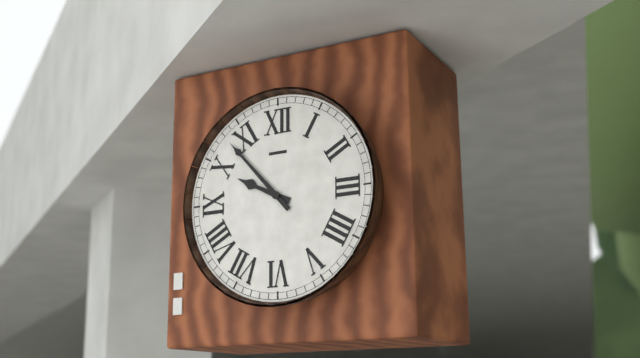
9:53
